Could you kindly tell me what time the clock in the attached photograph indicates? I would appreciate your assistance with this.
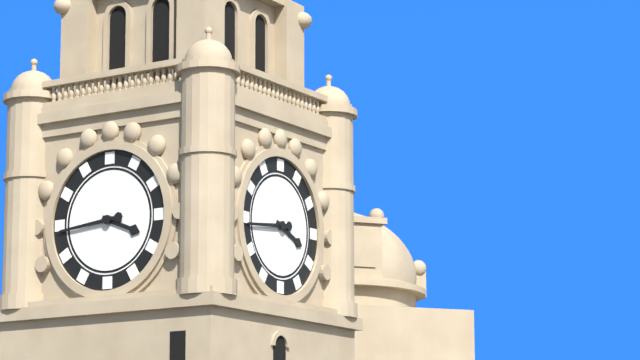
3:44
